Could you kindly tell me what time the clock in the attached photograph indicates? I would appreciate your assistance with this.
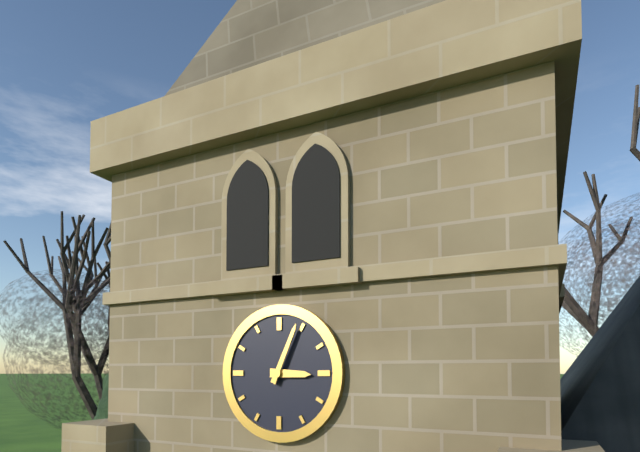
3:04
